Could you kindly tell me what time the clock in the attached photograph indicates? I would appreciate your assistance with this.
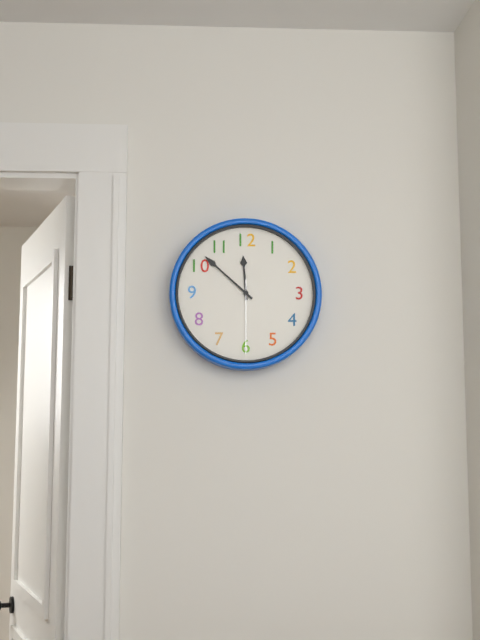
11:52:30
